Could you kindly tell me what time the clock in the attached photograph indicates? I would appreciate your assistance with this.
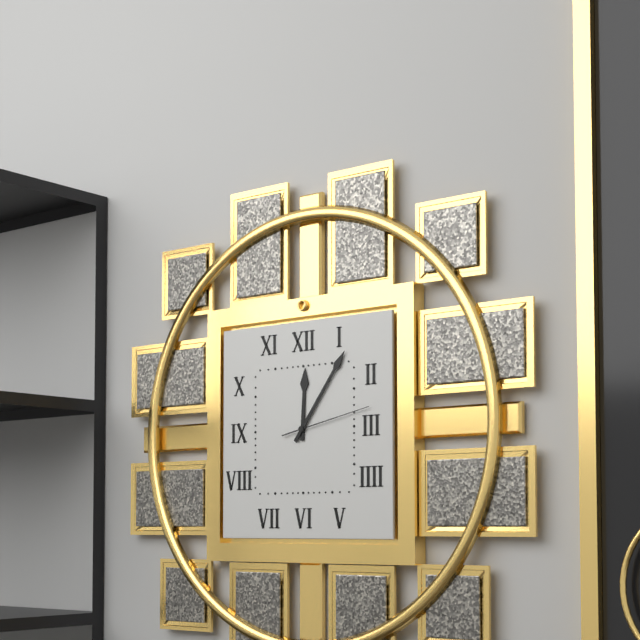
12:06:13
